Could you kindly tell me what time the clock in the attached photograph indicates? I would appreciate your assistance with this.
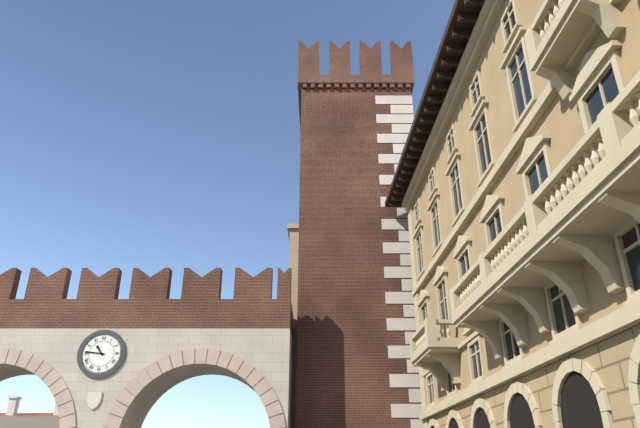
10:46
